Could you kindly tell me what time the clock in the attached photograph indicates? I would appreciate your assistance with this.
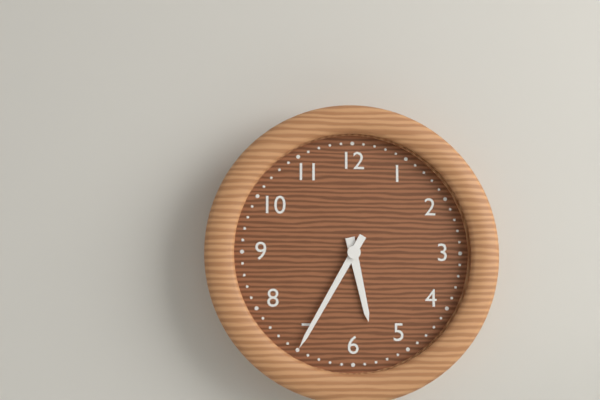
5:35
